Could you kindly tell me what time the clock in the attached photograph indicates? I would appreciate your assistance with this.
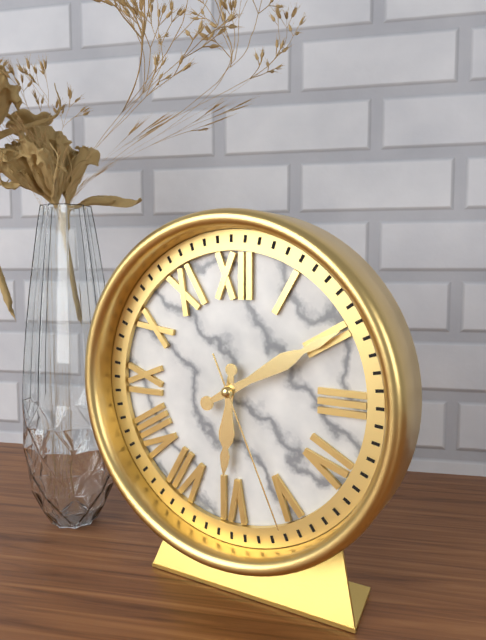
6:10:26
